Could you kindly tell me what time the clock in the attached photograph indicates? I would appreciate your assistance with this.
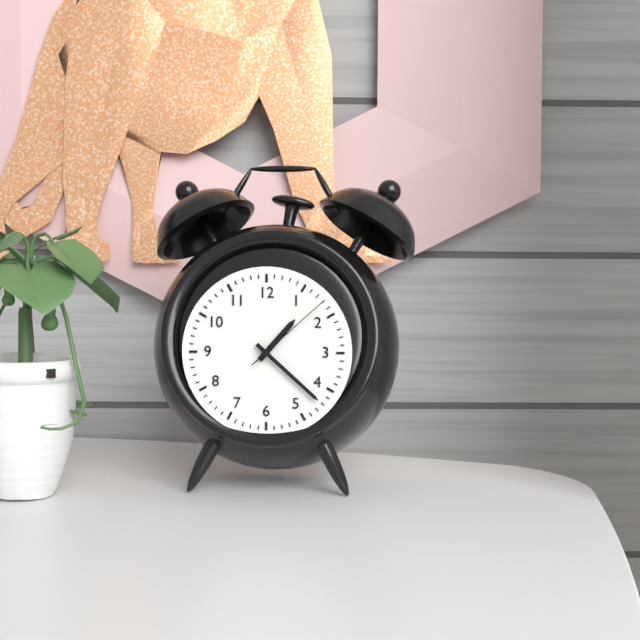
1:22:08
